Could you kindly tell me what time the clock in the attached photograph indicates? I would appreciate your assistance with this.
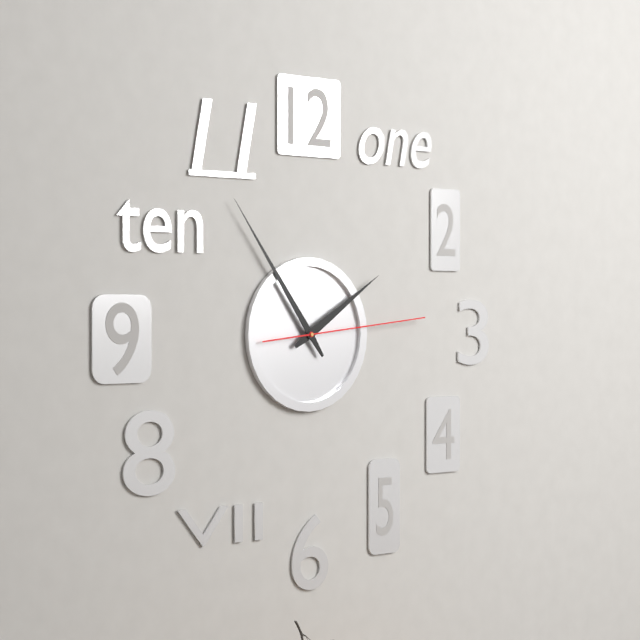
1:54:14
